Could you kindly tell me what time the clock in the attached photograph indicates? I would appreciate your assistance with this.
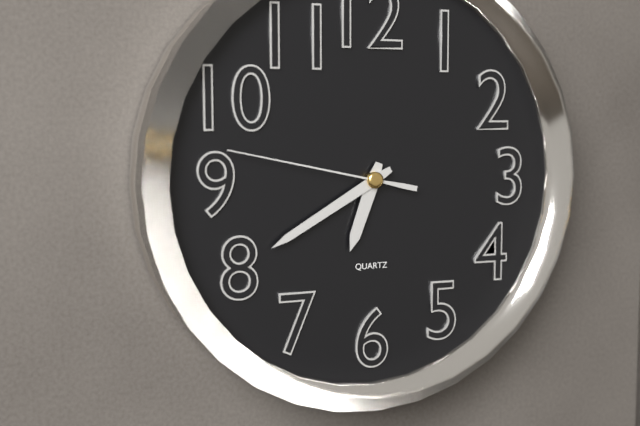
6:40:47
